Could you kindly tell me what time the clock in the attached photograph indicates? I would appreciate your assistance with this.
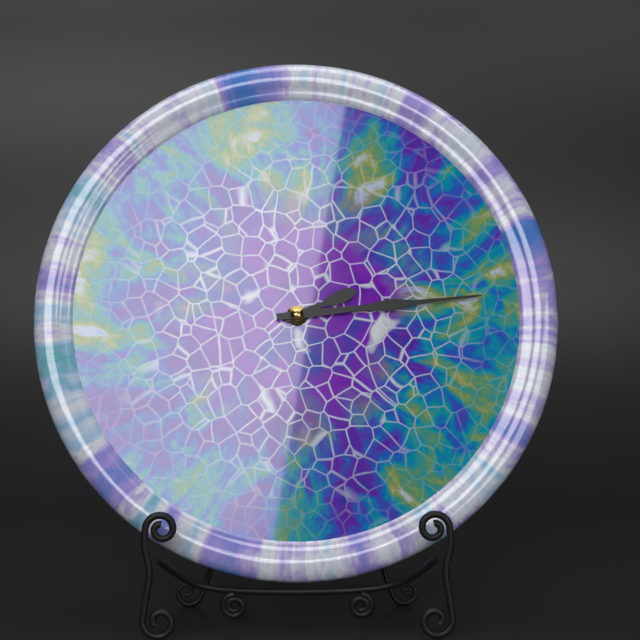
2:14
